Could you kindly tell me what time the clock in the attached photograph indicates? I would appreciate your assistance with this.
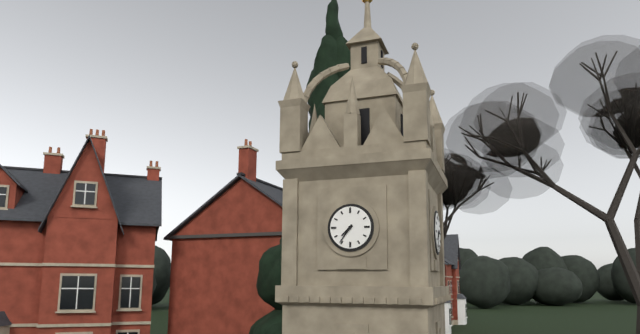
7:36
